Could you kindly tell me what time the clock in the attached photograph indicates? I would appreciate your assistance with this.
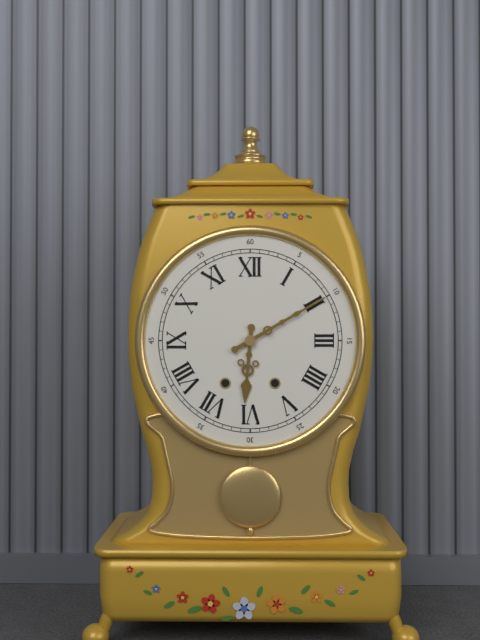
6:10
